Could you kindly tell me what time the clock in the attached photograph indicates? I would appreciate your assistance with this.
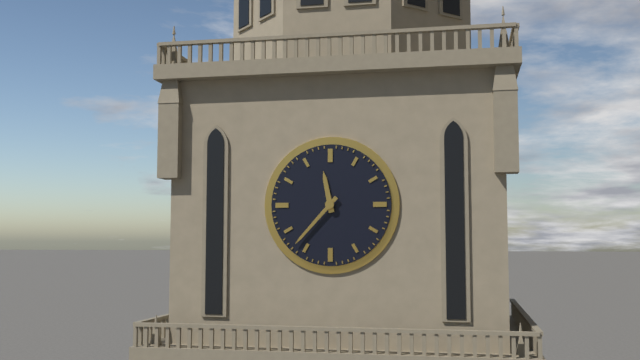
11:37
